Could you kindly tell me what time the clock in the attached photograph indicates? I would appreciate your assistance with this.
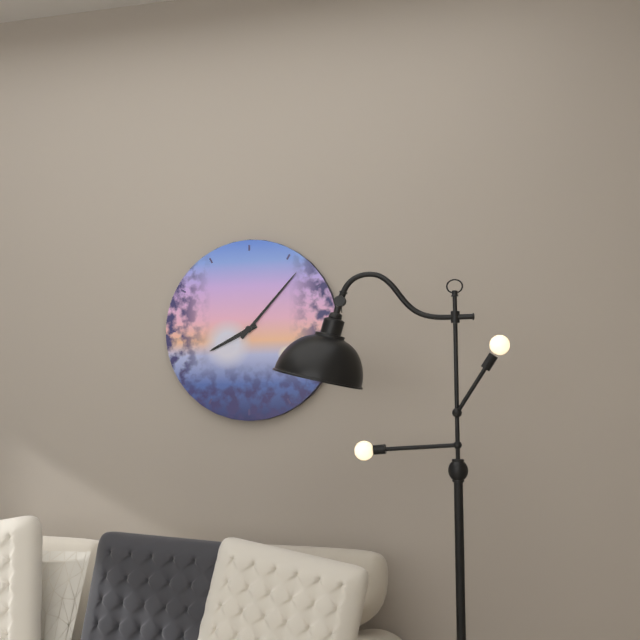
8:07
